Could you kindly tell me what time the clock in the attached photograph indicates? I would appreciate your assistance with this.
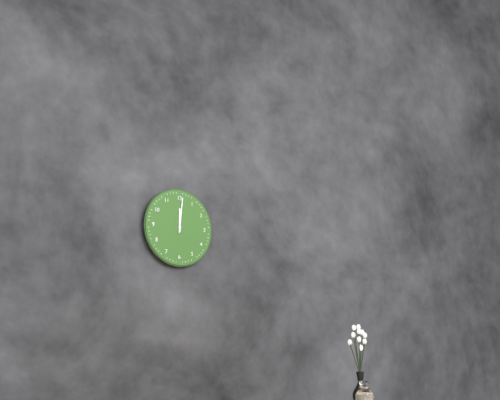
12:01
